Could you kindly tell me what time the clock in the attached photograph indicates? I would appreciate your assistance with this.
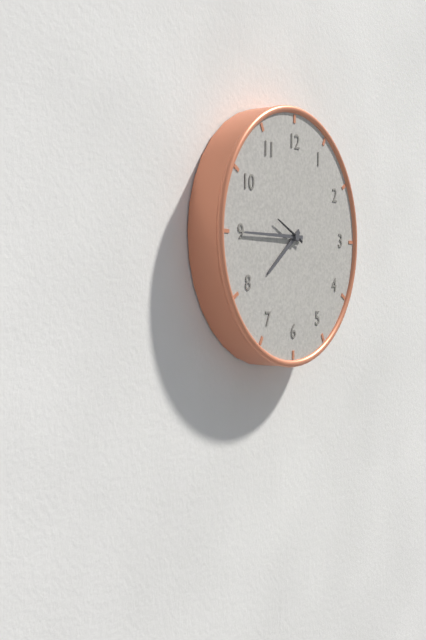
7:45
